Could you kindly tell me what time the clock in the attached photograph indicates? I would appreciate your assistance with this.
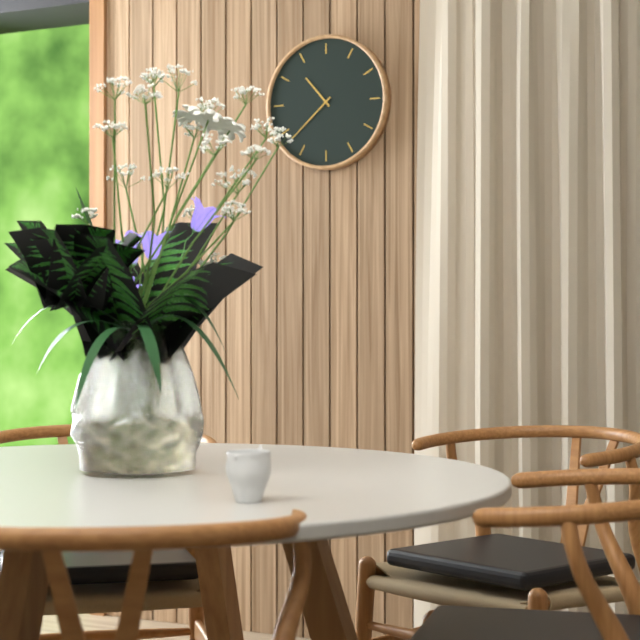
10:38
